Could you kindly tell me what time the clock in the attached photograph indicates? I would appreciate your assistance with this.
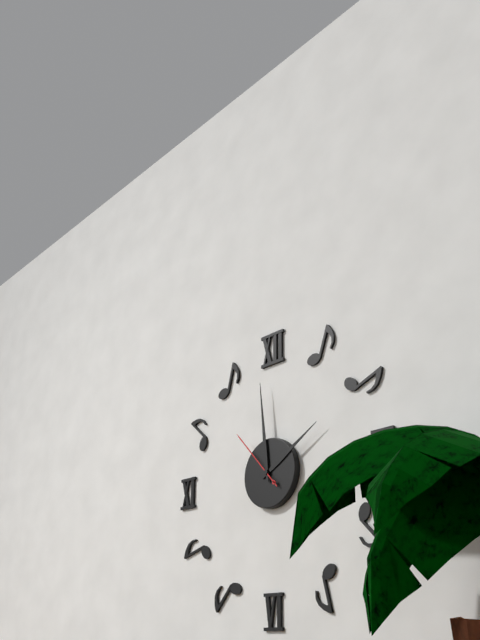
1:59:53
